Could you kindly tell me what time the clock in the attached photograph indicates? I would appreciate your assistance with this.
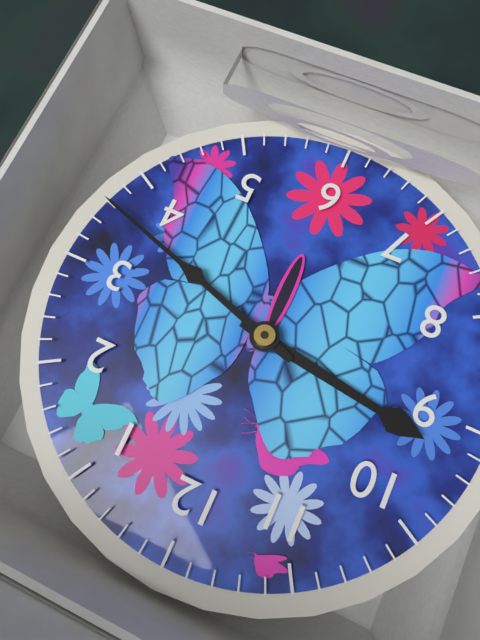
9:18
